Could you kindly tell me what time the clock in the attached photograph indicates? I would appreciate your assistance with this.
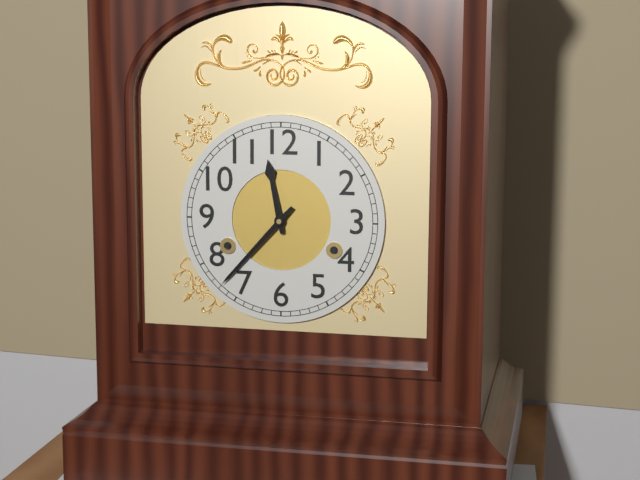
11:37
